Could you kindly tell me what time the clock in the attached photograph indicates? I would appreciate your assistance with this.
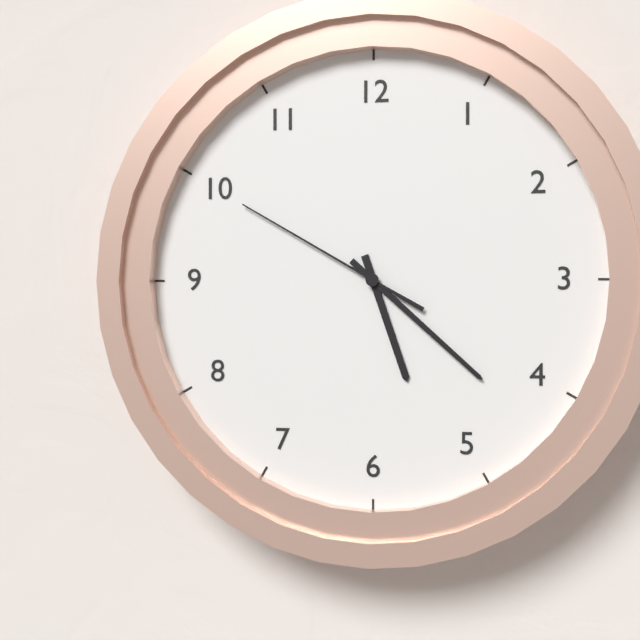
5:22:50
